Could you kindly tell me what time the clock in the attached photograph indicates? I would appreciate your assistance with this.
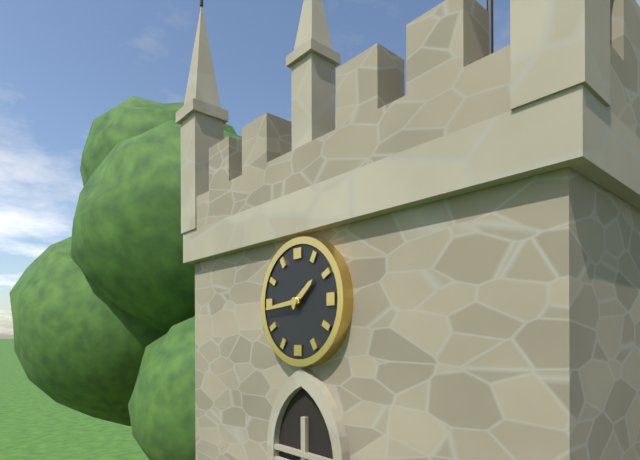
1:44
